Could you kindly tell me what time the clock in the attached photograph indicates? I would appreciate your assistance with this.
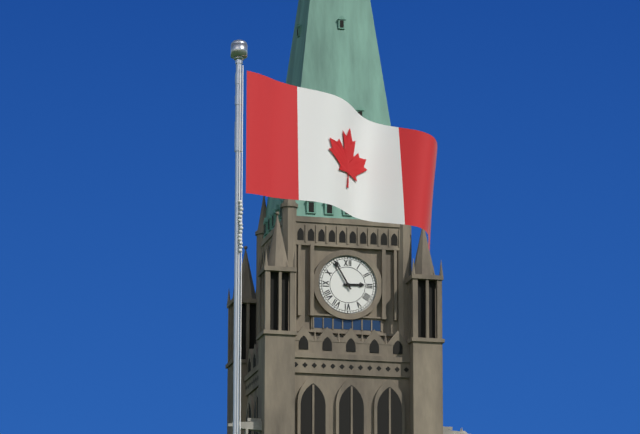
2:55
